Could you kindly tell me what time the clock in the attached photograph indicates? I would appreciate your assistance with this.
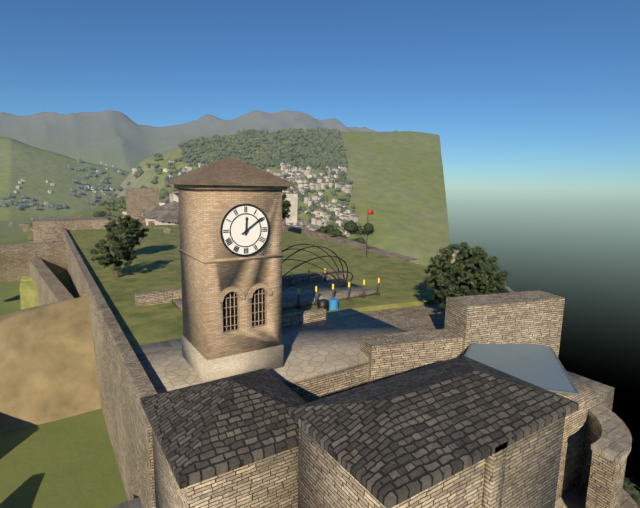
12:09
